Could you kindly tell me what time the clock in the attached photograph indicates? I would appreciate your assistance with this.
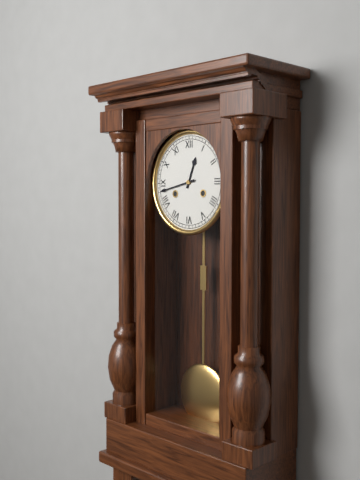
12:43
